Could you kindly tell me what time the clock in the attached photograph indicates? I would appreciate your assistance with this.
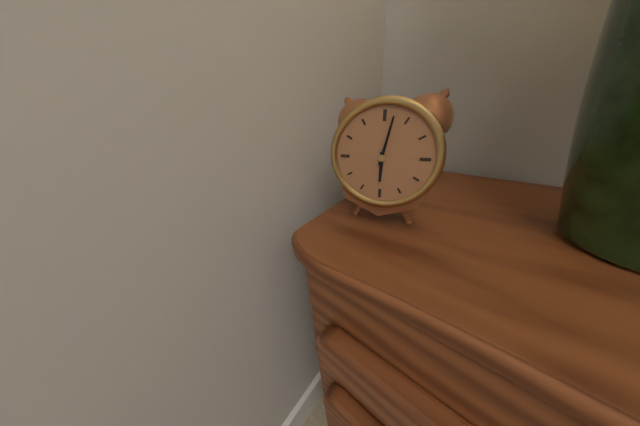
6:02
